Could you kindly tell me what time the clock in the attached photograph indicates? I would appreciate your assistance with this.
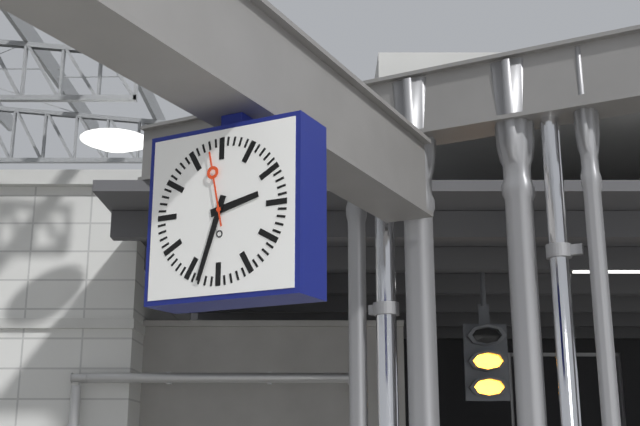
2:33:58
